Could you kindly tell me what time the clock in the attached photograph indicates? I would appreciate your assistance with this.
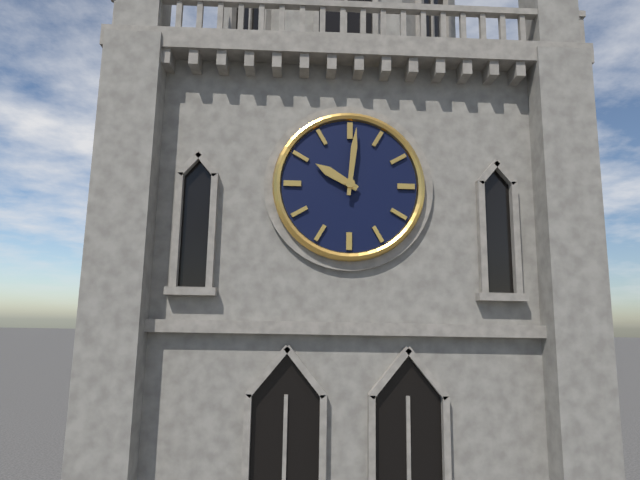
10:01
